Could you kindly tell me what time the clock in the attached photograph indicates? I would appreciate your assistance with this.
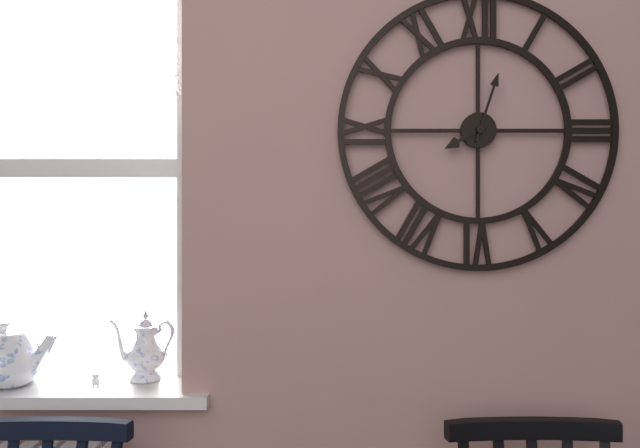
8:03
